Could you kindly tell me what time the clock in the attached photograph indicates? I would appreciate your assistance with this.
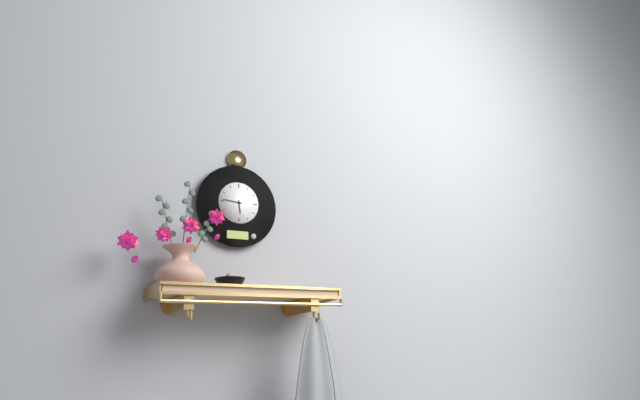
5:46
